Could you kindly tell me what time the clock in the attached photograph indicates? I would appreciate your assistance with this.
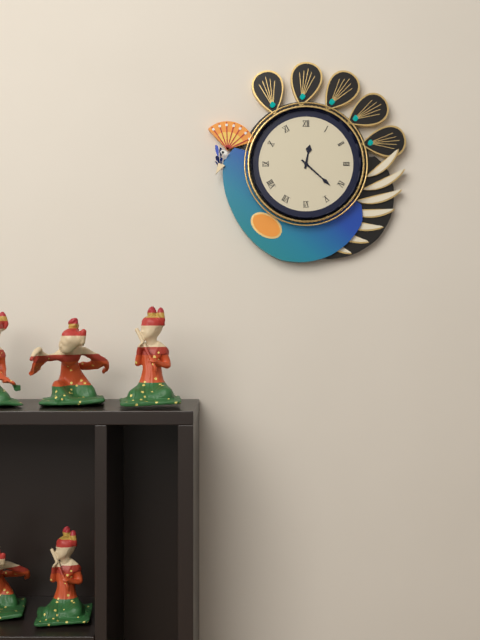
12:22
